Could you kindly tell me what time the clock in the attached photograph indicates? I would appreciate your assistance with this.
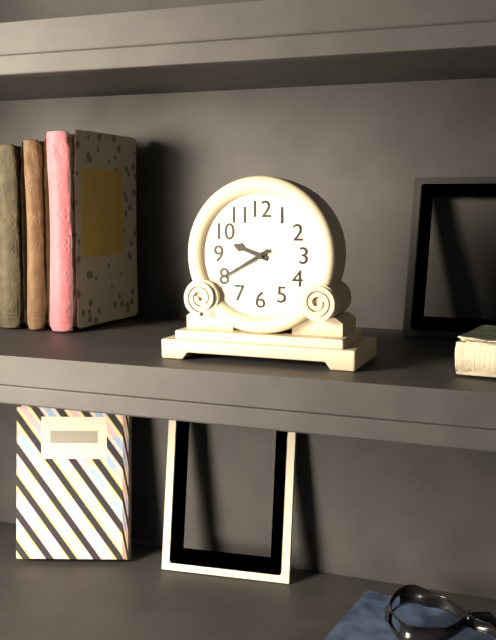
9:40
